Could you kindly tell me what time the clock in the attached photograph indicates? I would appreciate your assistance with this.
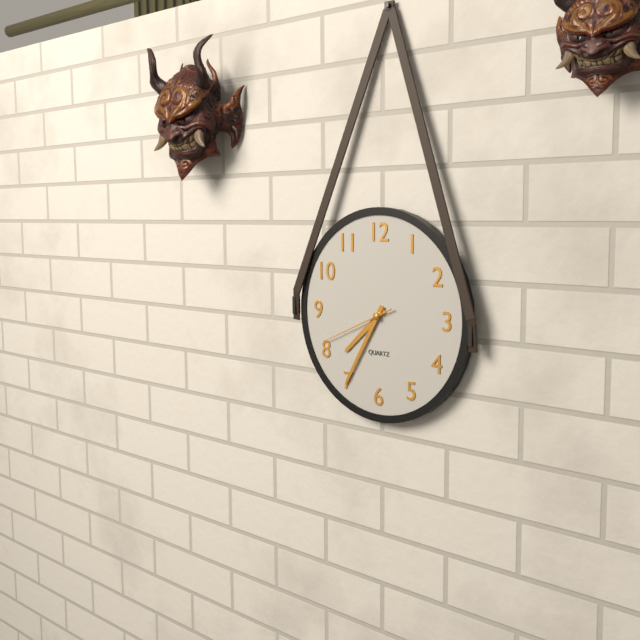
7:35:41
